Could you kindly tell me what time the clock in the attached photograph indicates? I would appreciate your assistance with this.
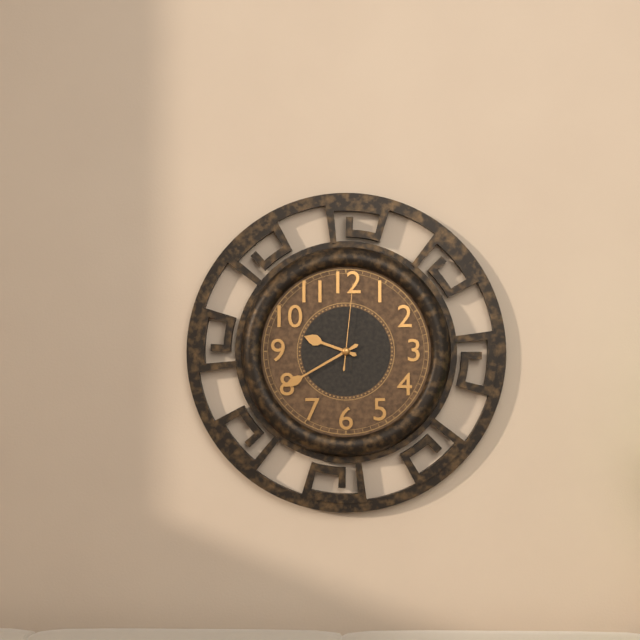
9:40:01
